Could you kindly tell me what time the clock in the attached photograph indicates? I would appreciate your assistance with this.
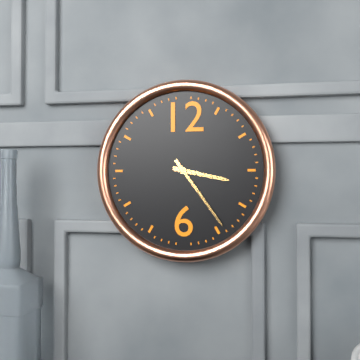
3:24
